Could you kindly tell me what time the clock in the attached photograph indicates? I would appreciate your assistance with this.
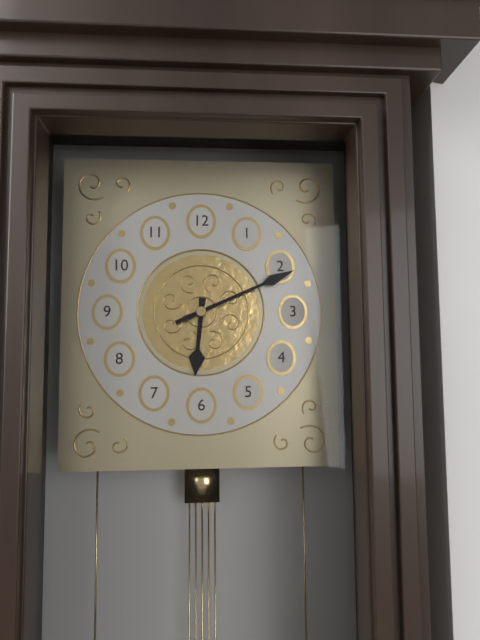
6:11:11
